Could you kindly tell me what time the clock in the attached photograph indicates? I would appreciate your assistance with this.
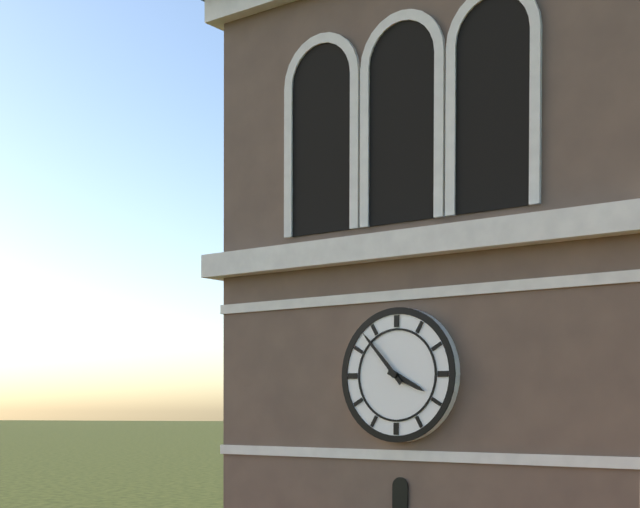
3:53
